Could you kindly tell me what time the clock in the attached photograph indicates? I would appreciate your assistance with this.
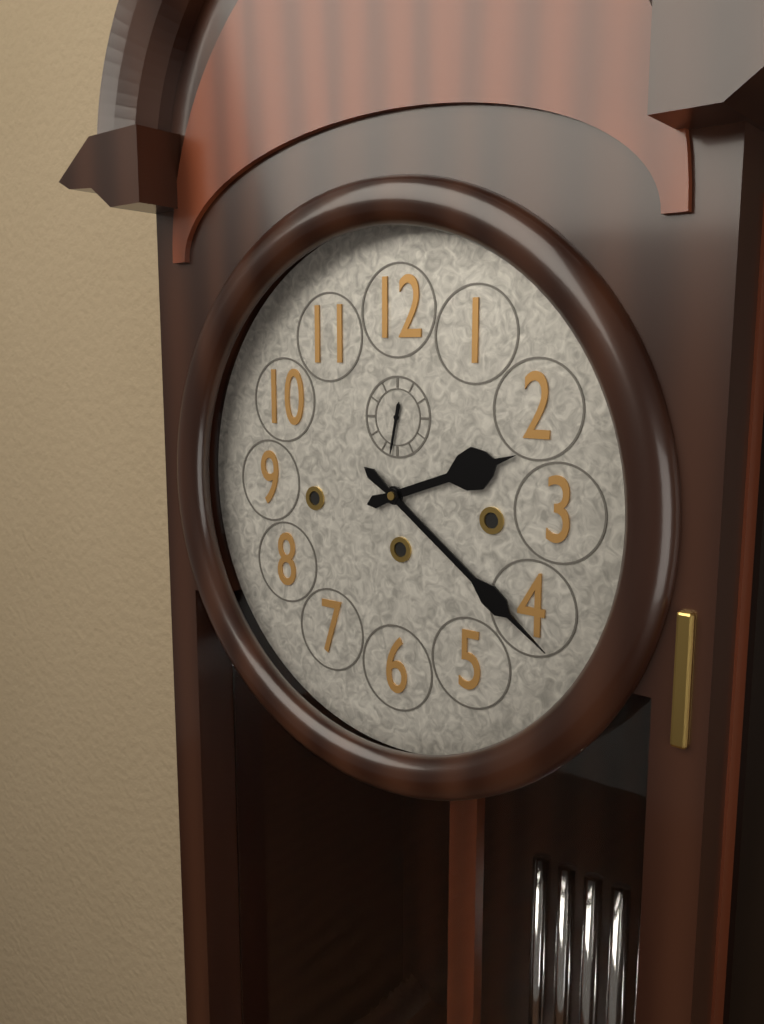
2:21
